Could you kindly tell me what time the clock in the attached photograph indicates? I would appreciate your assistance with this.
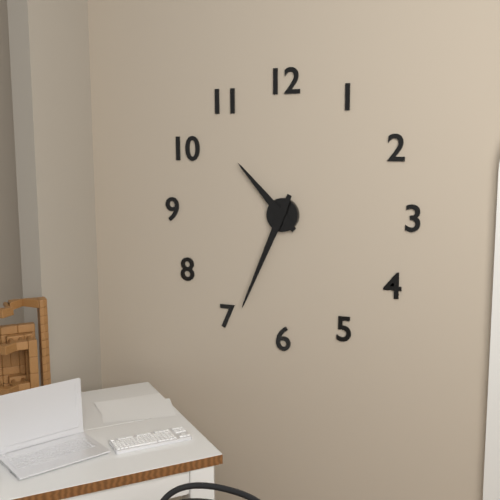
10:34
